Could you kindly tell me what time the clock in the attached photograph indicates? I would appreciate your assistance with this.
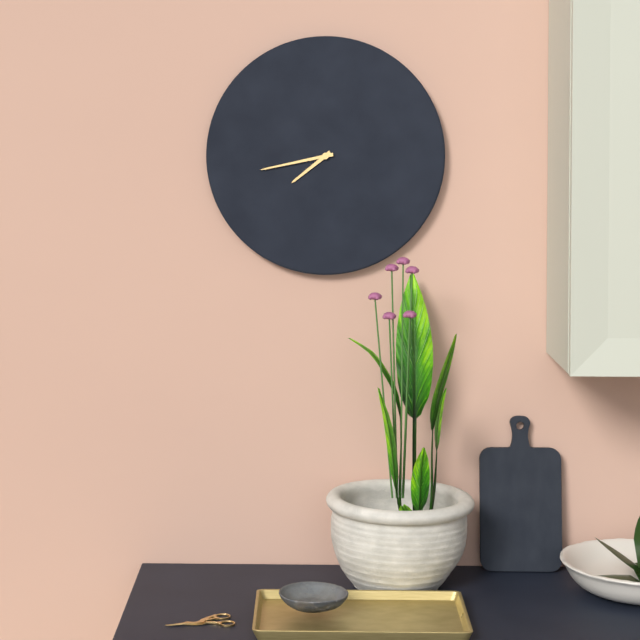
7:43
